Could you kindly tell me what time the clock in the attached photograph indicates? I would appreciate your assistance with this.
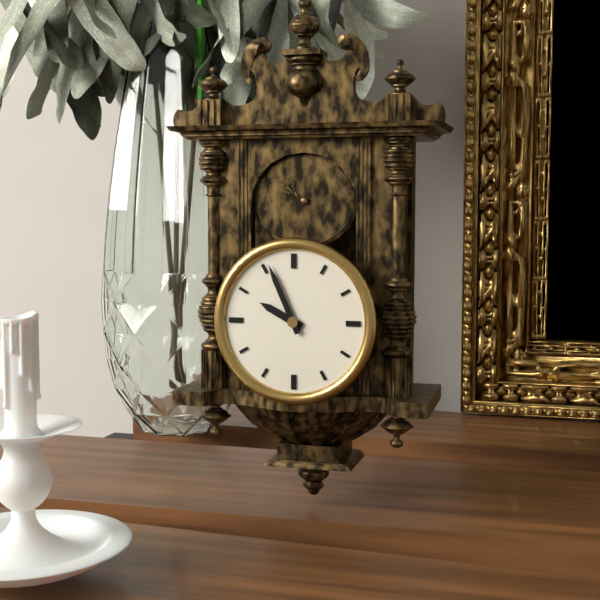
9:56
